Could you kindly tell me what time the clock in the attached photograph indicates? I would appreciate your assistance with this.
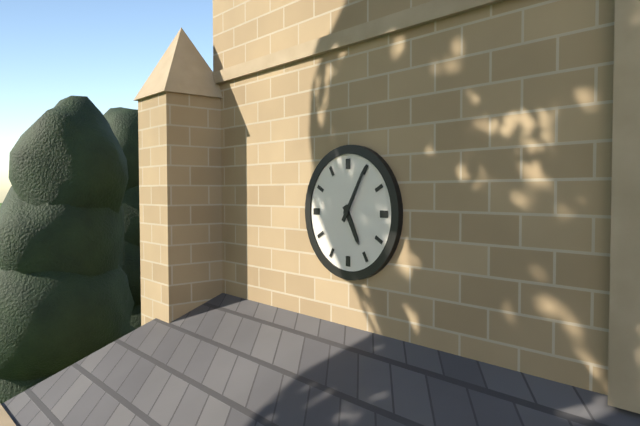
5:05
